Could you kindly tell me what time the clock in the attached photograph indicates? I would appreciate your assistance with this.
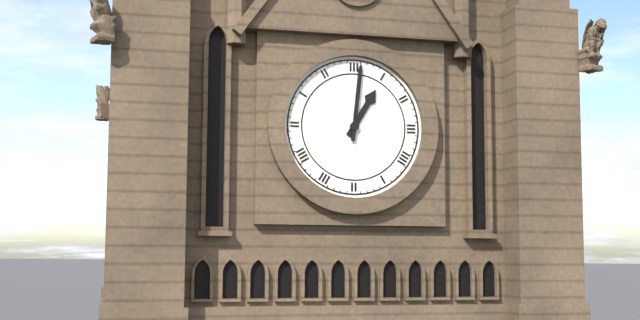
1:01
